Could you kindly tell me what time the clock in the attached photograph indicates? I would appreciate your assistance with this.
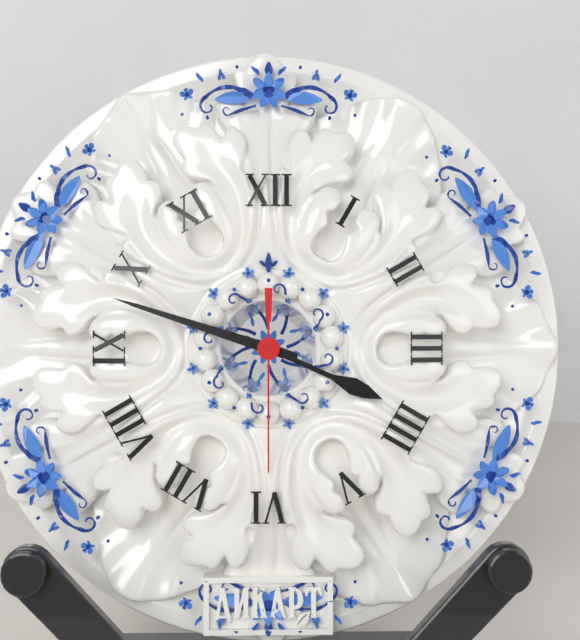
3:48:30
